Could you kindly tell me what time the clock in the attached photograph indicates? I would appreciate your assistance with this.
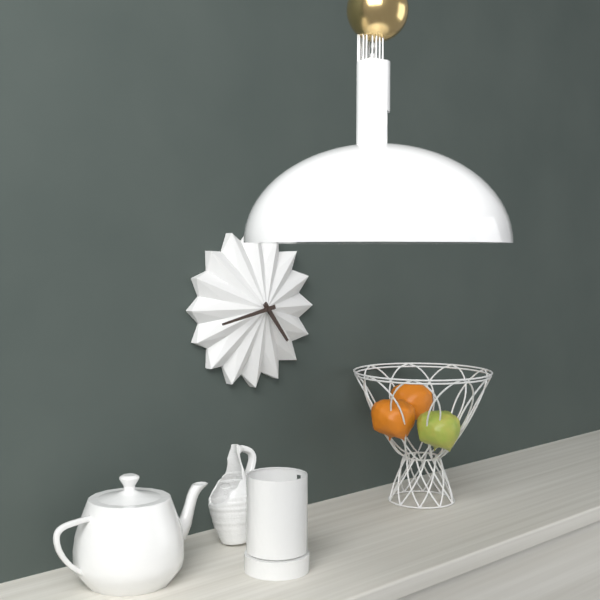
4:43
